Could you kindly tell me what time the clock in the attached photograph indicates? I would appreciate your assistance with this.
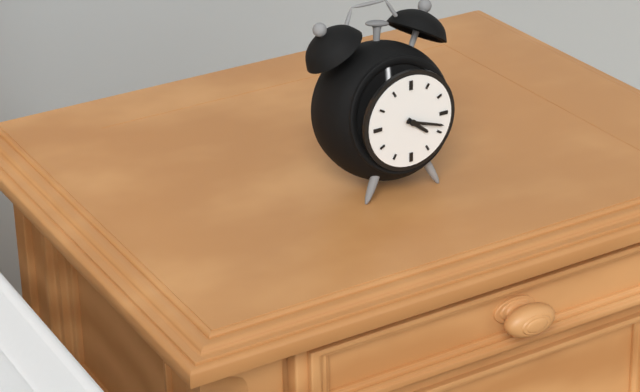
4:18
